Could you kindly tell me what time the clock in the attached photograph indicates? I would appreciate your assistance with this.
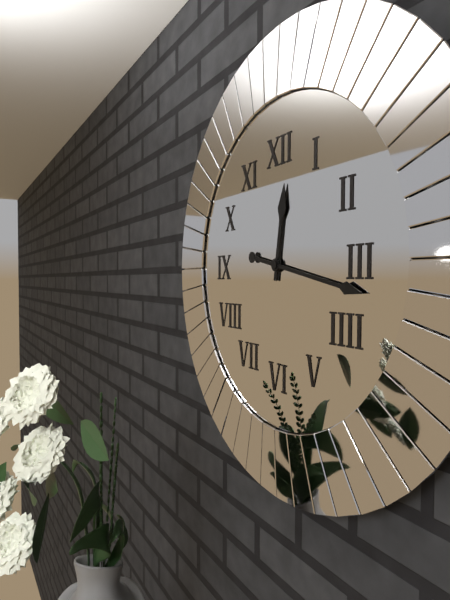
12:17
